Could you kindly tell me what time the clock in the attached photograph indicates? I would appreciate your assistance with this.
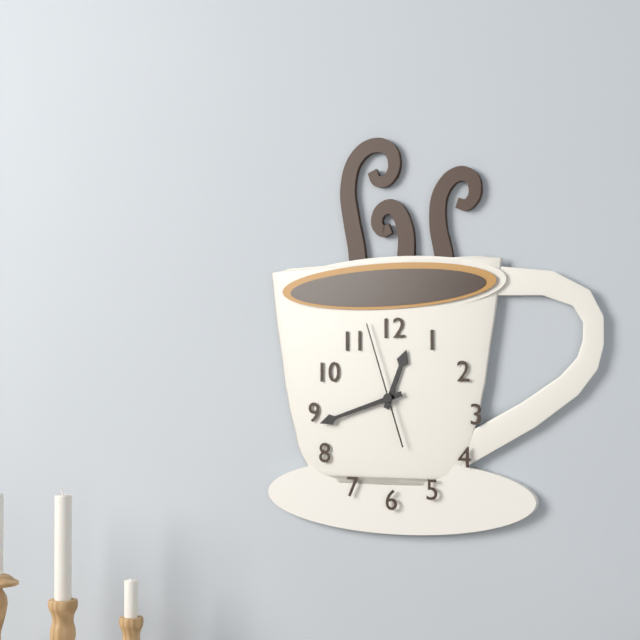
12:42:57
